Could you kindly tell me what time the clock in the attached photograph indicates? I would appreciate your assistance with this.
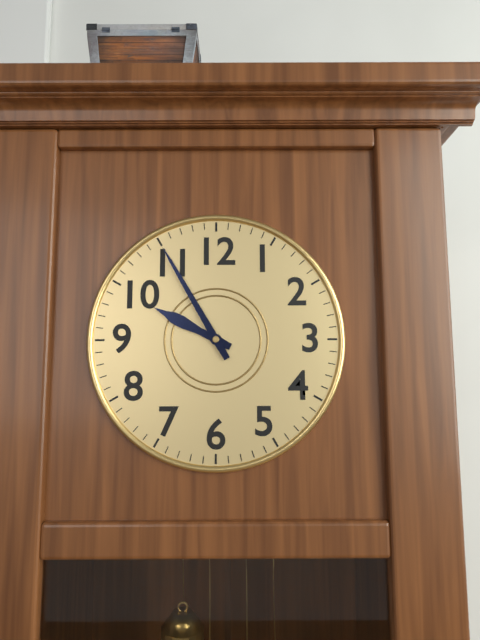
9:55
